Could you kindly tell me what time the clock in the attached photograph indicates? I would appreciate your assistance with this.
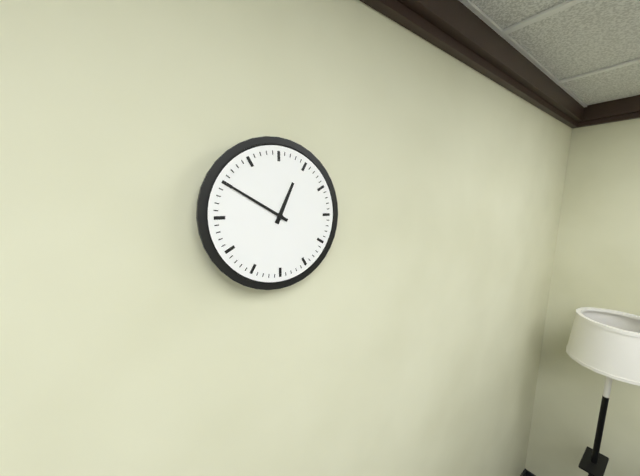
12:50
